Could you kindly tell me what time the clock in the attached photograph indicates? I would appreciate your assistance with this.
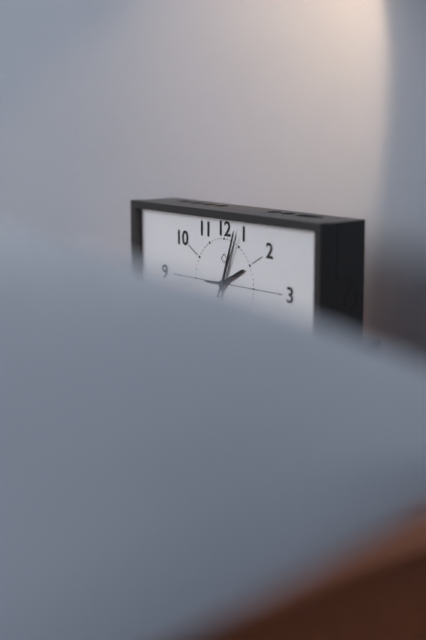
2:03:04
